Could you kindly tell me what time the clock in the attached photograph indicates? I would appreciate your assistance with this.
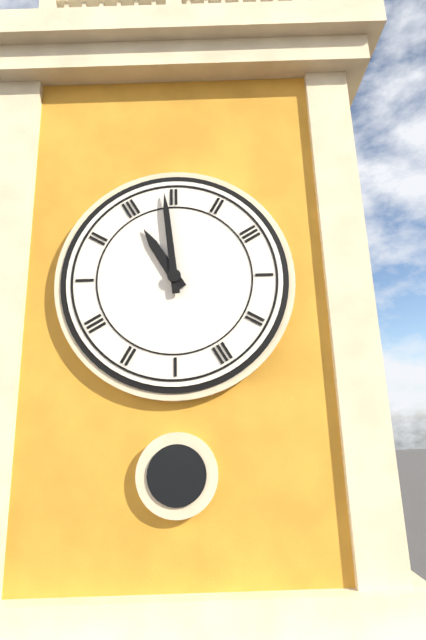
10:59
